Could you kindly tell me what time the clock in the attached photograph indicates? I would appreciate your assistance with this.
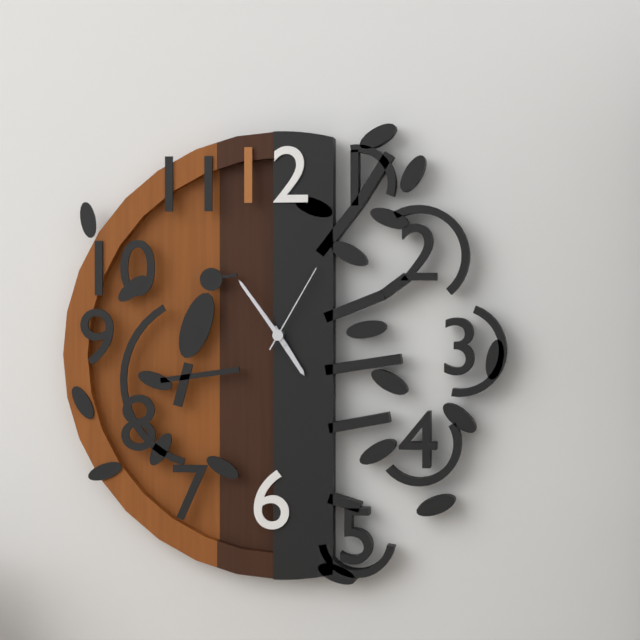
4:54:05
